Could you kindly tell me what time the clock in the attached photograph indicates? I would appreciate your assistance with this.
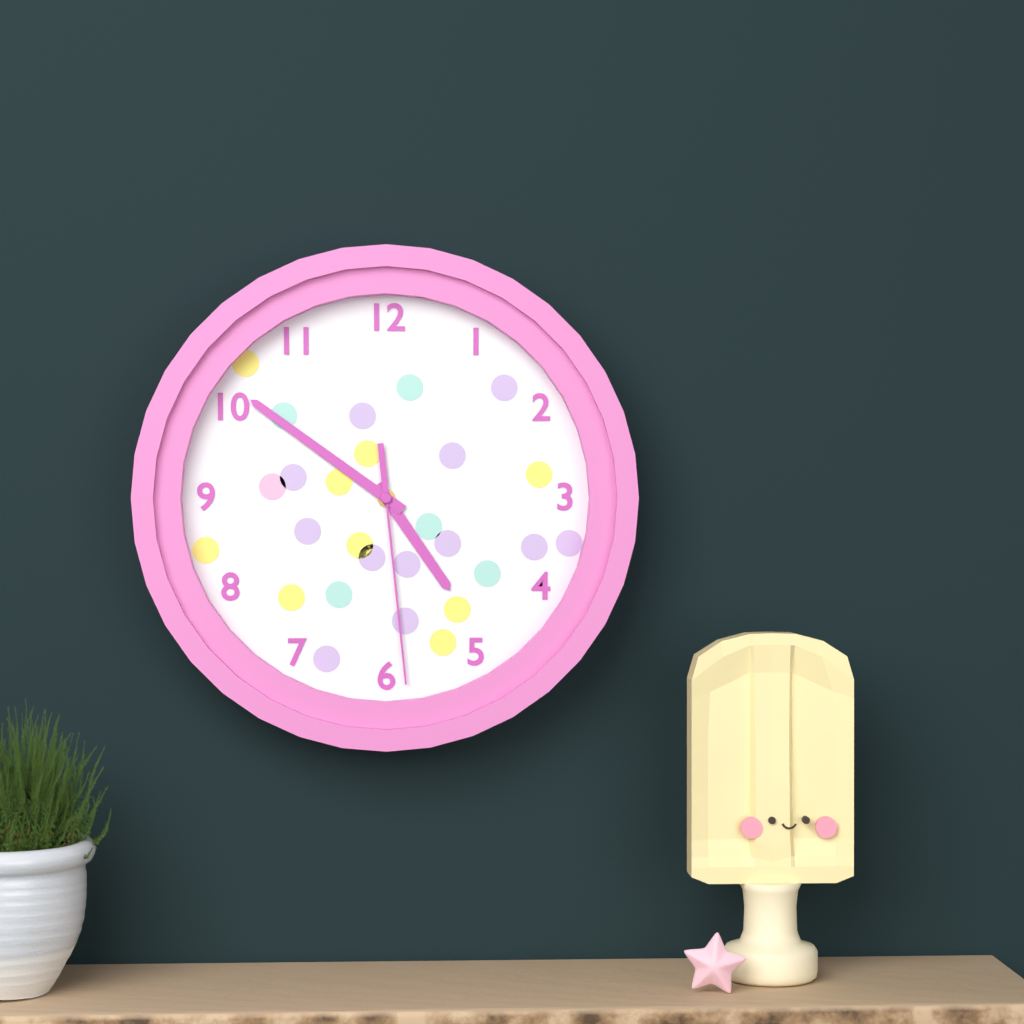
4:51:29
